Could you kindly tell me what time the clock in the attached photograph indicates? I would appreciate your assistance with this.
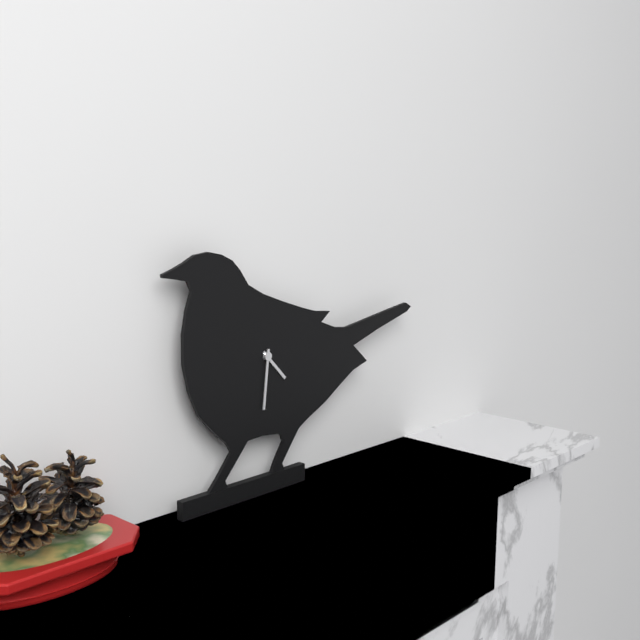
4:31
